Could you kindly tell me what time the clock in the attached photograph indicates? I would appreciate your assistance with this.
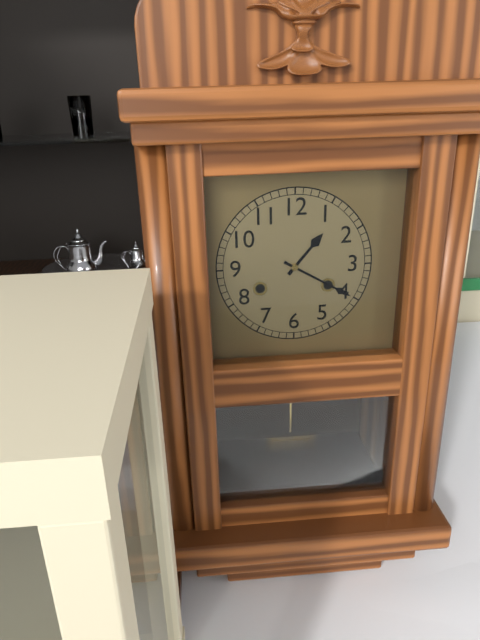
1:20
